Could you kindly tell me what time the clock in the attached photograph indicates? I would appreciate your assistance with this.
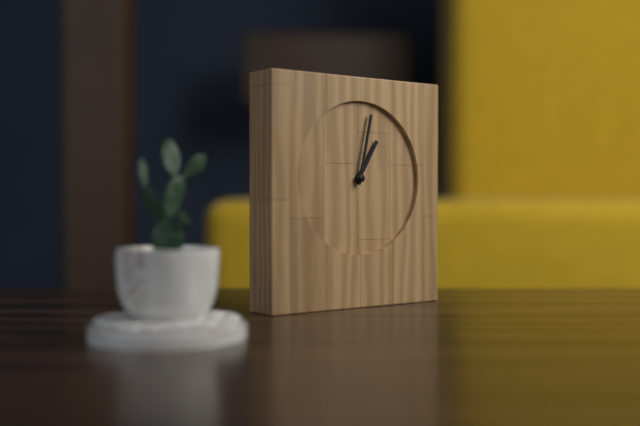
1:02
